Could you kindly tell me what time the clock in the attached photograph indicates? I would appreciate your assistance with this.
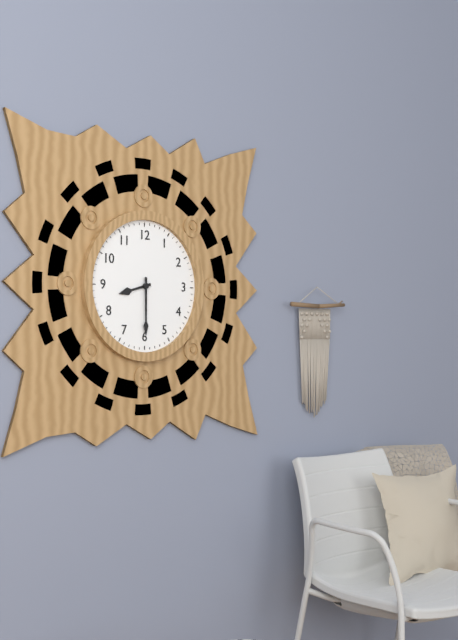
8:30
